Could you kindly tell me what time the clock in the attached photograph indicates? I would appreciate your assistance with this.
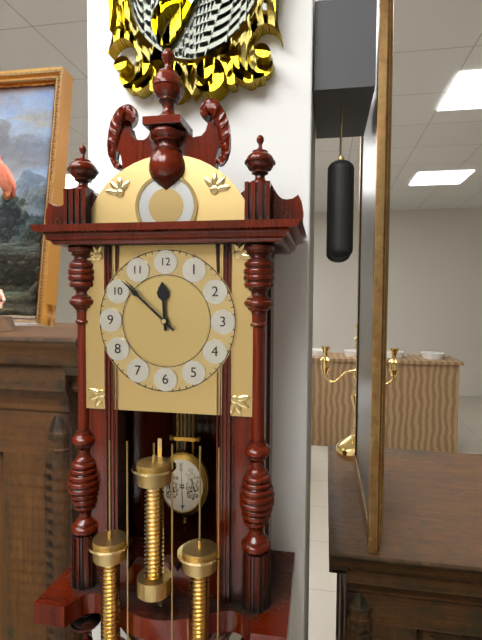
11:52
